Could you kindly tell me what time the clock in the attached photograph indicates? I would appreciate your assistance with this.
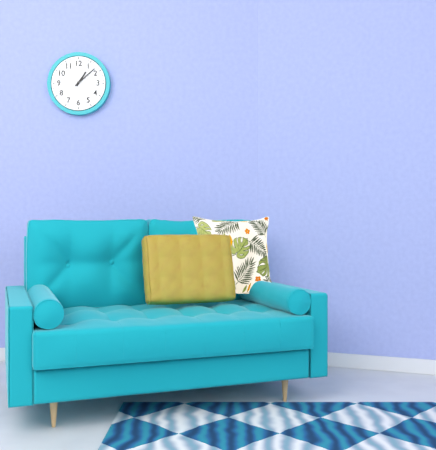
1:08
